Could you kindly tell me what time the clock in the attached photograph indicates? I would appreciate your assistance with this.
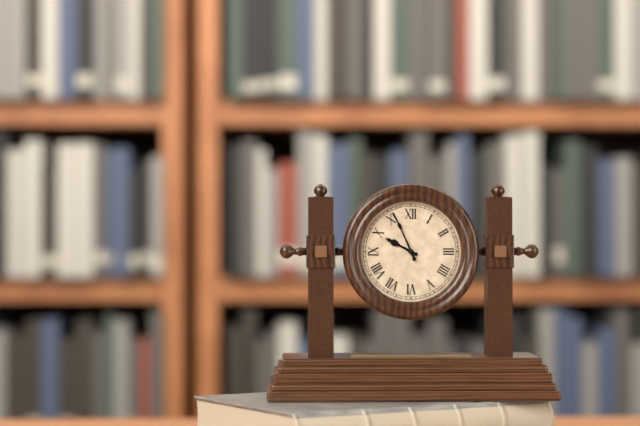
9:56
